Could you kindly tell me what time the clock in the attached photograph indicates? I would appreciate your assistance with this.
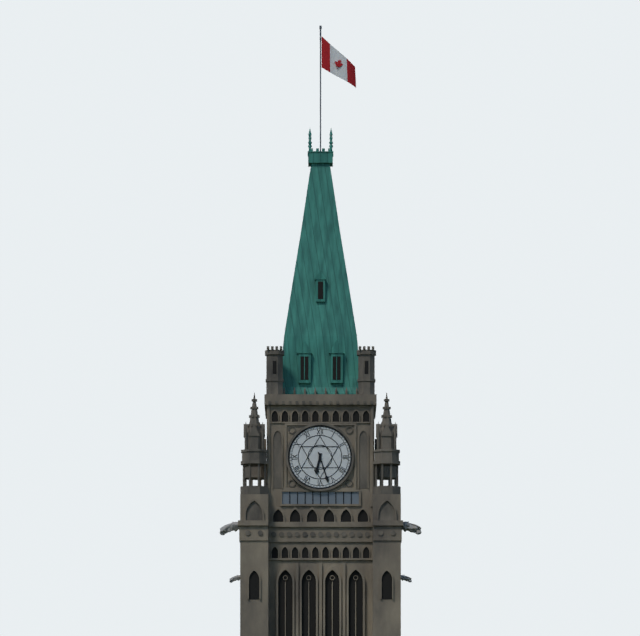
6:27
